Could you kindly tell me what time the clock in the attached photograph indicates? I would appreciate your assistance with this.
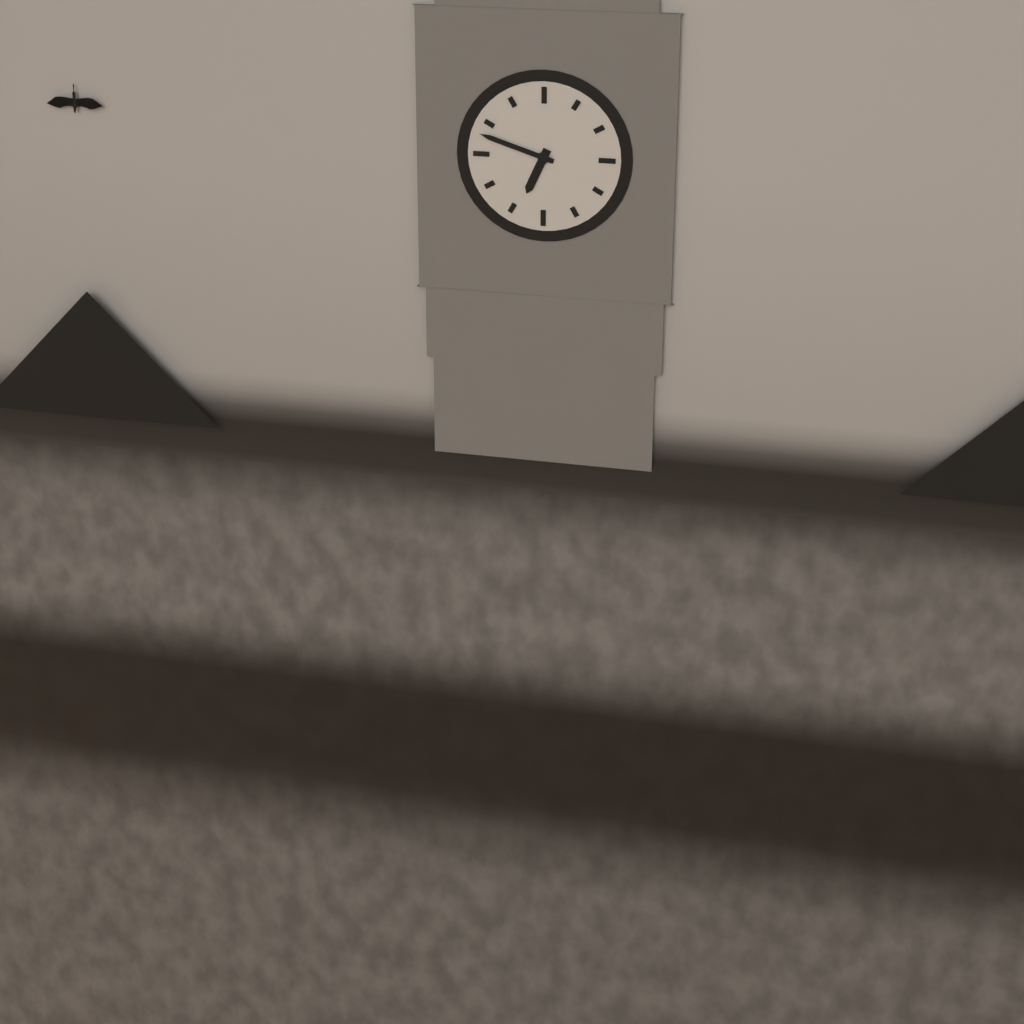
6:48
